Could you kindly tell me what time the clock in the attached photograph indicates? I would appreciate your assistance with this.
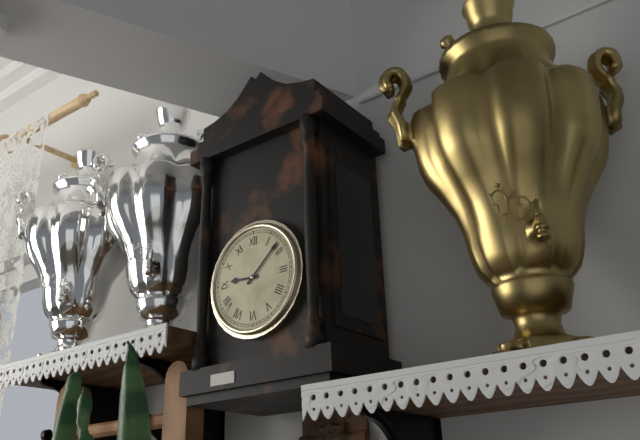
9:08
